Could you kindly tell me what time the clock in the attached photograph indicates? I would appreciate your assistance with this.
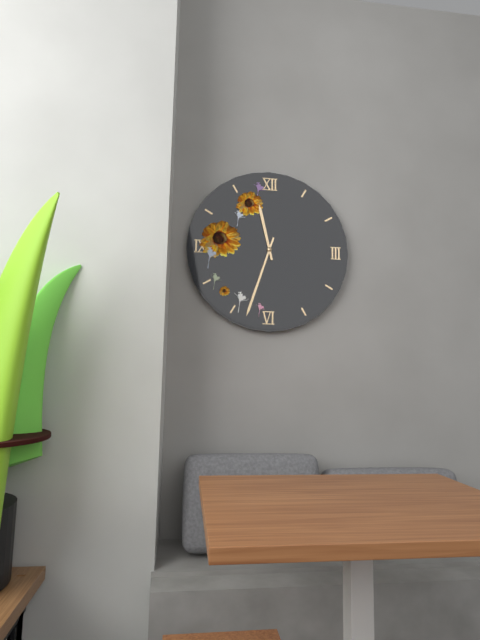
11:33
